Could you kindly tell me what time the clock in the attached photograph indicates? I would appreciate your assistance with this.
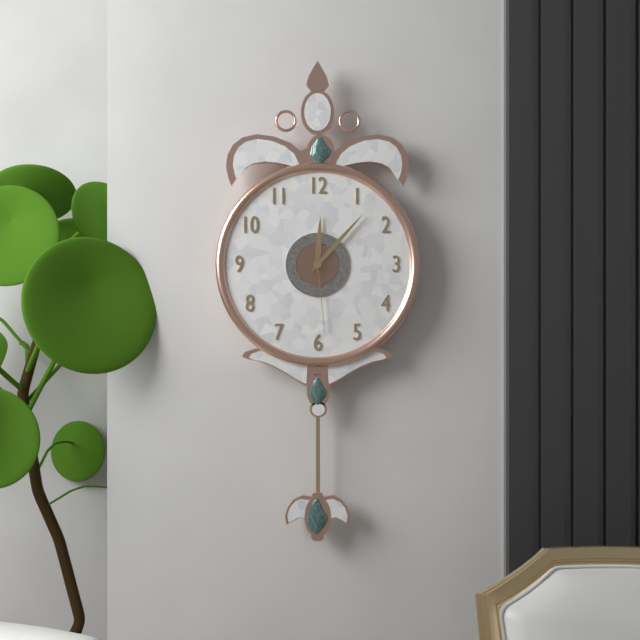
12:07:29
